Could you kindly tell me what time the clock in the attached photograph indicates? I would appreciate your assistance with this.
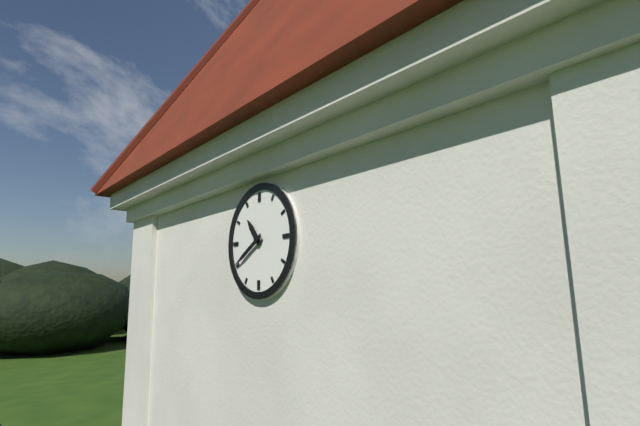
10:40
